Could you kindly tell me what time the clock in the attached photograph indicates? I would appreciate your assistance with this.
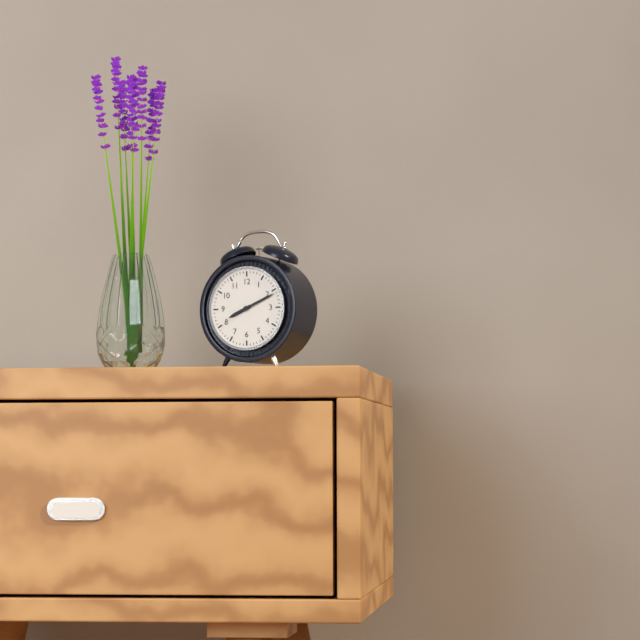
8:11
